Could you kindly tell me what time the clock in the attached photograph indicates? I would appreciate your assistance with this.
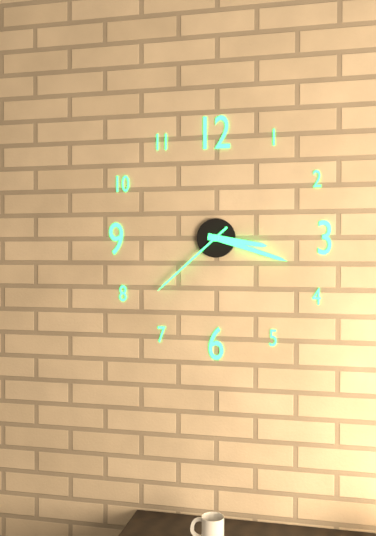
3:18:38
